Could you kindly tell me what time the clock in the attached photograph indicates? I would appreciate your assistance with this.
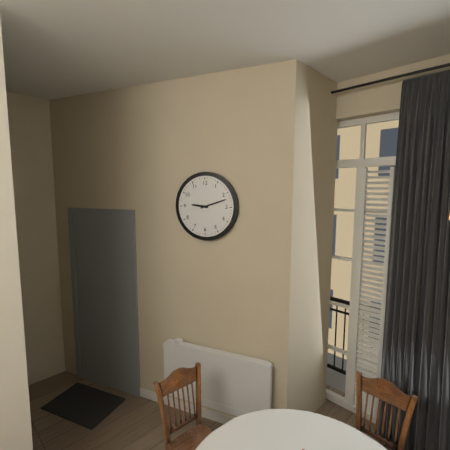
9:12
